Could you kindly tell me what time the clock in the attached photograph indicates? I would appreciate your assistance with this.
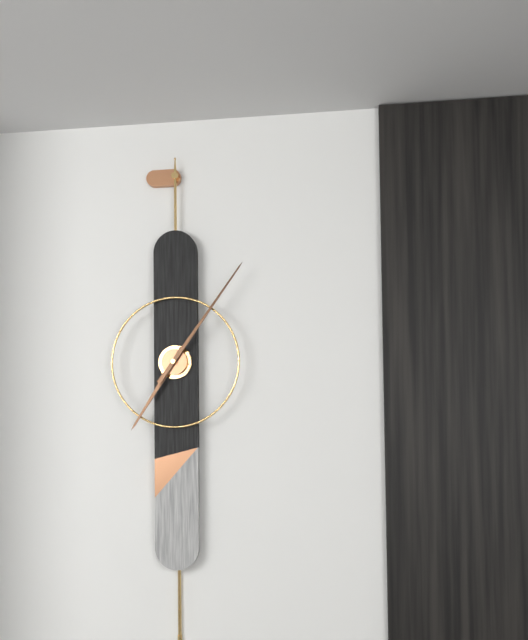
7:06
